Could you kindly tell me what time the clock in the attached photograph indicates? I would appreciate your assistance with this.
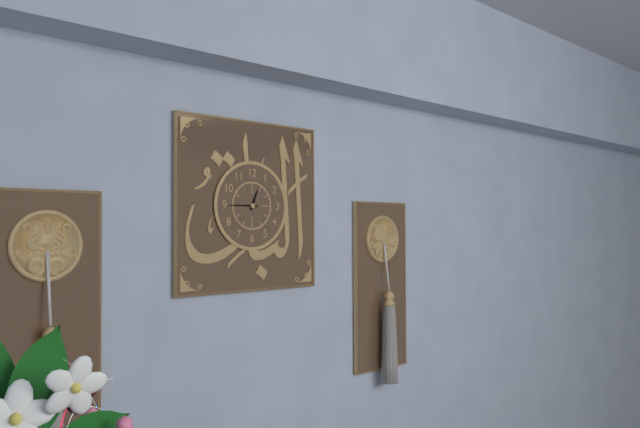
12:45
